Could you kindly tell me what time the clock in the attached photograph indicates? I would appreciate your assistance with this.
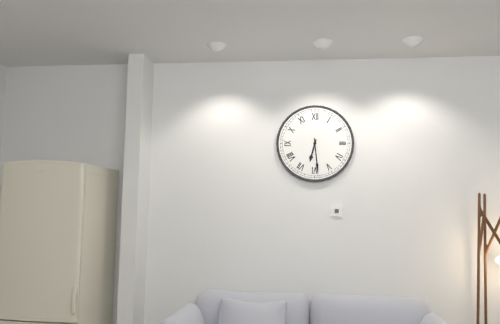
6:29
